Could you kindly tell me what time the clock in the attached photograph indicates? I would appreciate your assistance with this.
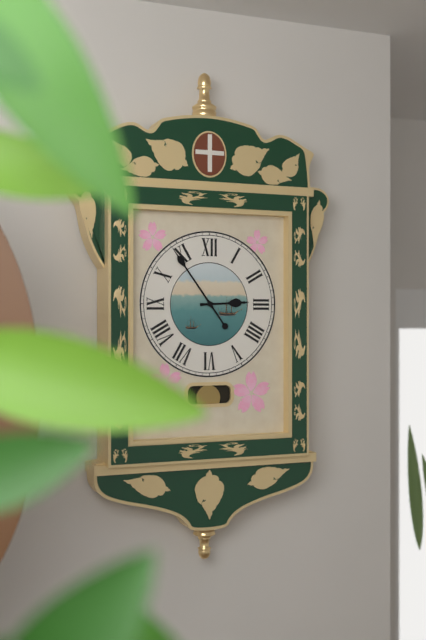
2:54
